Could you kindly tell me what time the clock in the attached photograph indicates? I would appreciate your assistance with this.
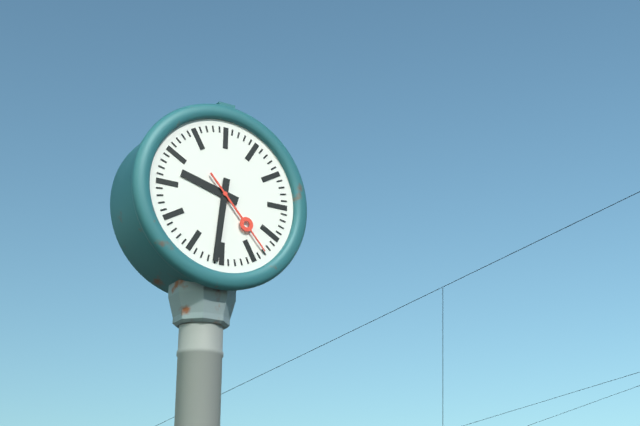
9:31:23
